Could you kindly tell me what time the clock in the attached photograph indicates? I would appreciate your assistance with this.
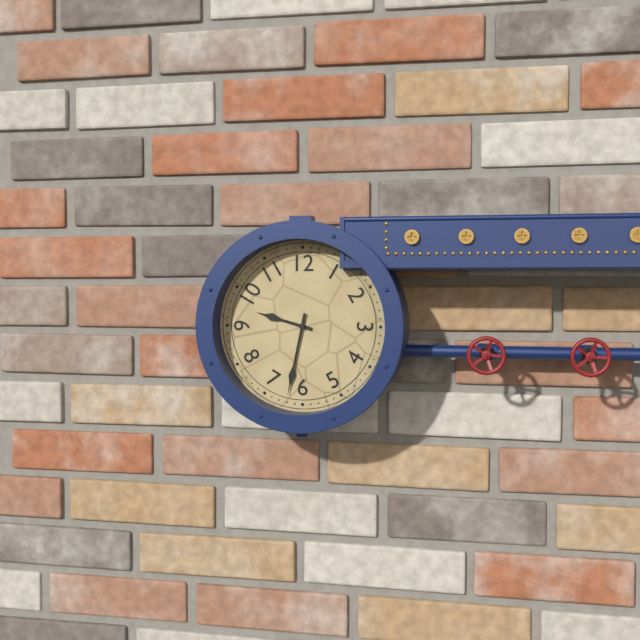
9:32
